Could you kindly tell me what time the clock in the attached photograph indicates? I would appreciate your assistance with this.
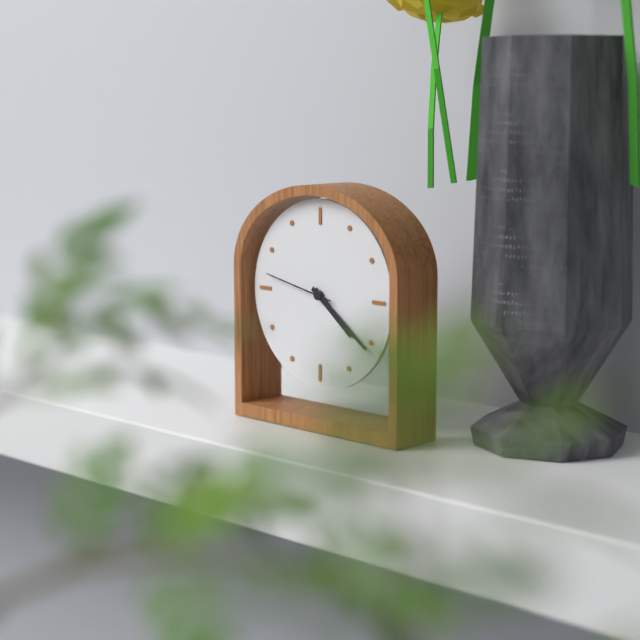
4:21:47
